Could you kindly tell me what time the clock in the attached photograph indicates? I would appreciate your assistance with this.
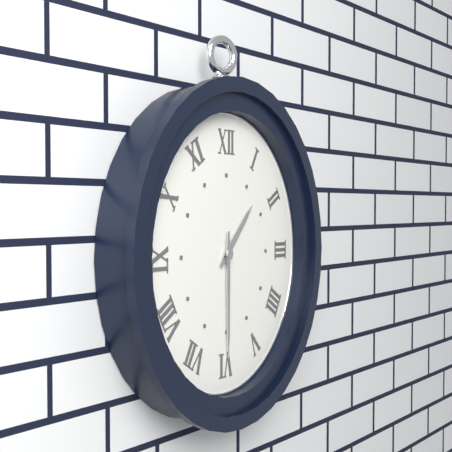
1:30
